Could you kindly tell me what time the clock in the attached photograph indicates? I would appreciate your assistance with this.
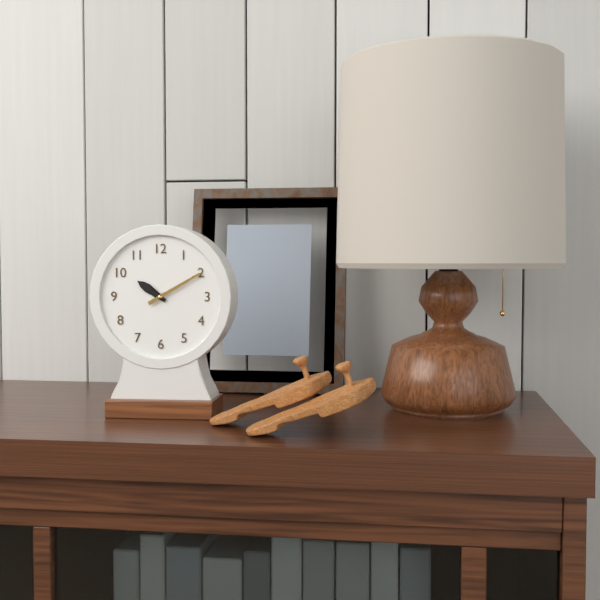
10:10
